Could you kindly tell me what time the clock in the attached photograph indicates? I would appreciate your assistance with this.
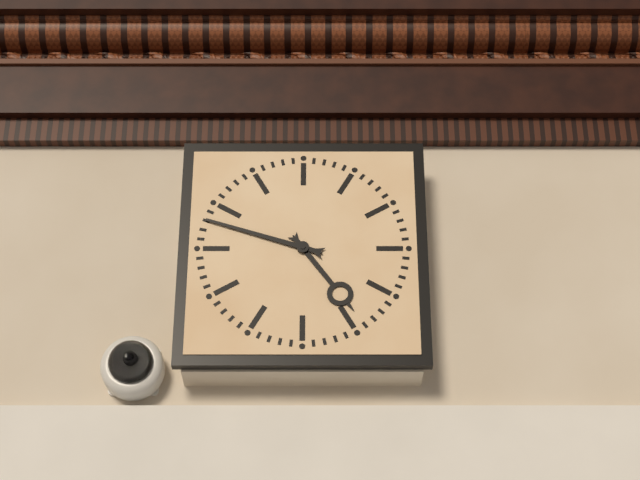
4:48
